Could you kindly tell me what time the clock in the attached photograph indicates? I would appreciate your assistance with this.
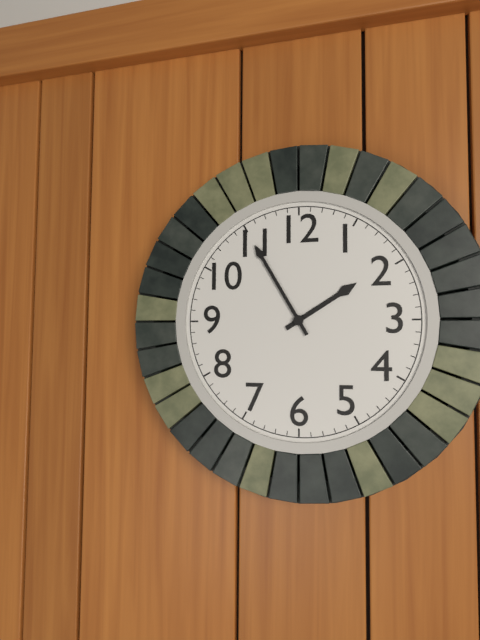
1:55
